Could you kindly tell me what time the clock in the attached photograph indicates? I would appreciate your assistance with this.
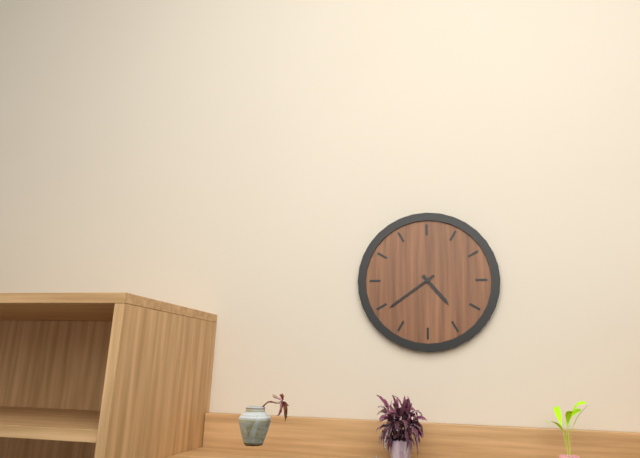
4:39
